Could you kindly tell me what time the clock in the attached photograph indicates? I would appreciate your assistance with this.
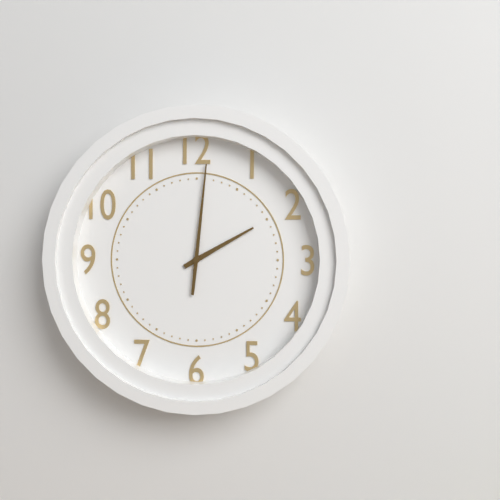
2:01
